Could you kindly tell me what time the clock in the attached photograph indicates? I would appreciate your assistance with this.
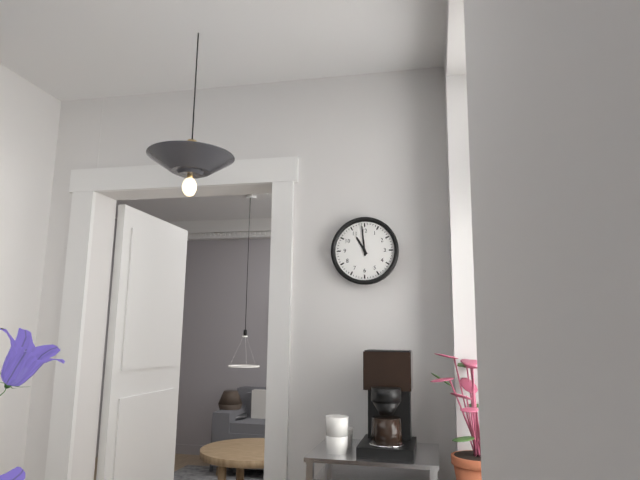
10:59
